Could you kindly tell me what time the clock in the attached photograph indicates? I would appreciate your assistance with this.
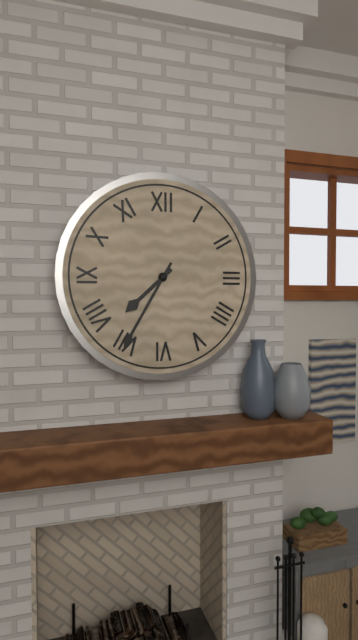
7:35
